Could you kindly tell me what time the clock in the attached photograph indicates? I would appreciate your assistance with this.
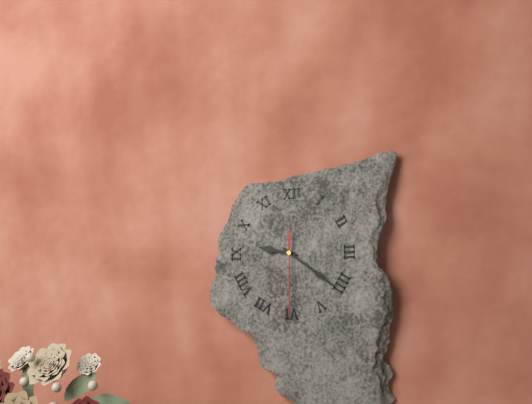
9:21:30
